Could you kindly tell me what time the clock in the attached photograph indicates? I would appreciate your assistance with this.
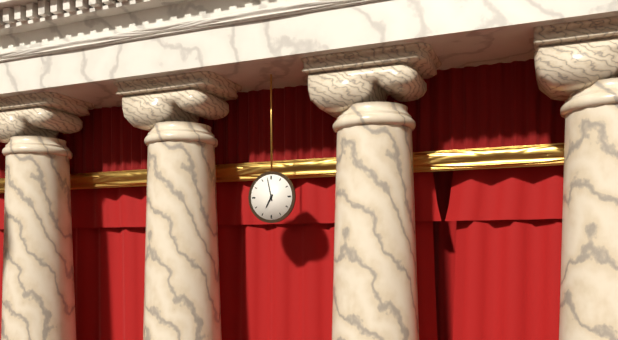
6:58
